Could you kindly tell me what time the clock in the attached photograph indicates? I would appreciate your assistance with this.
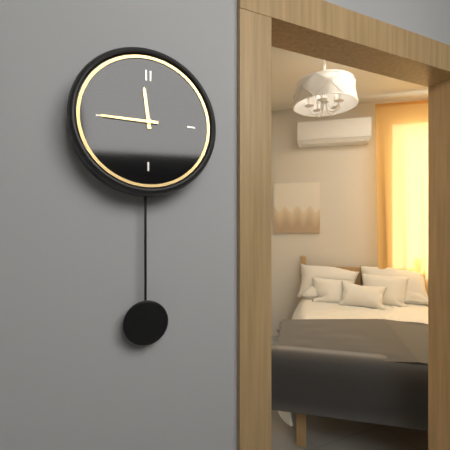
11:45
